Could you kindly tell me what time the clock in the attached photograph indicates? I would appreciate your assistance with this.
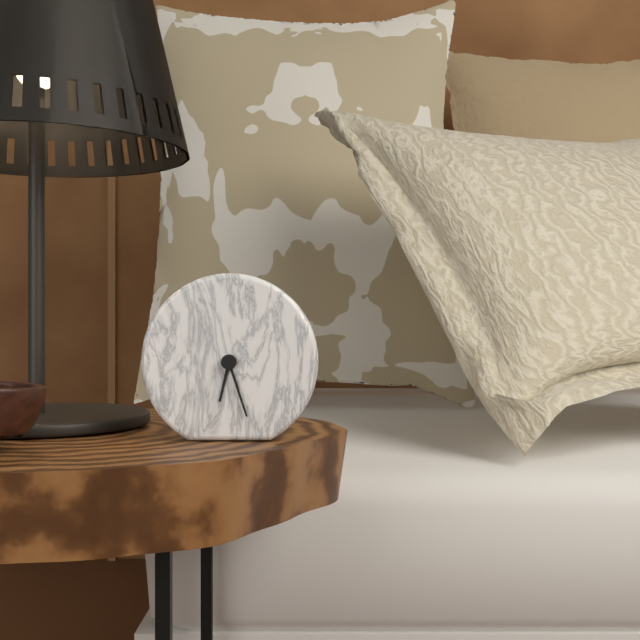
6:27
